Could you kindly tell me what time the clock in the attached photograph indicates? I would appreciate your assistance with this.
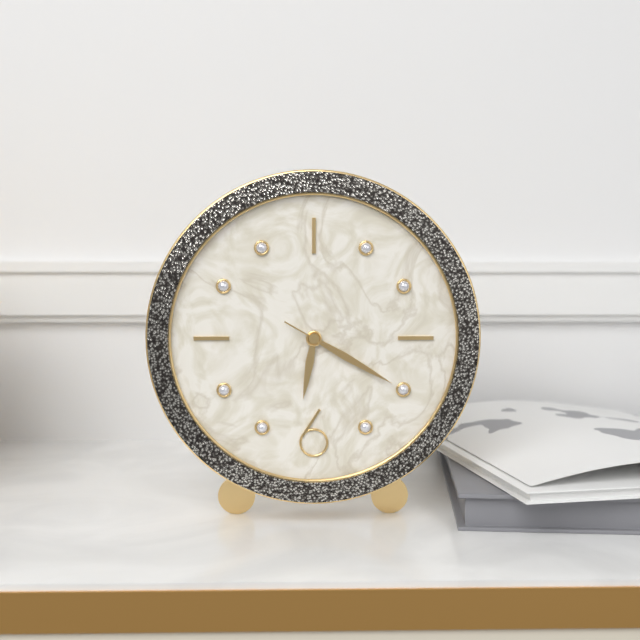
6:20:20
